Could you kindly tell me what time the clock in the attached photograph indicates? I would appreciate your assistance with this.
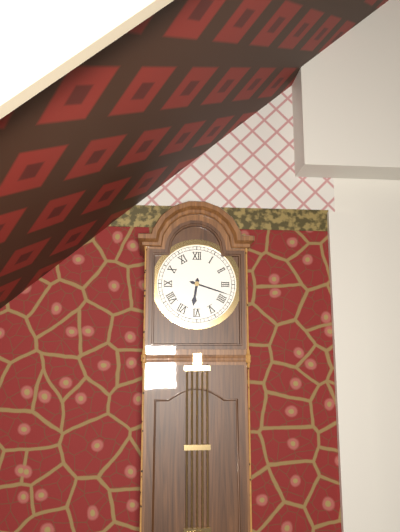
6:18
